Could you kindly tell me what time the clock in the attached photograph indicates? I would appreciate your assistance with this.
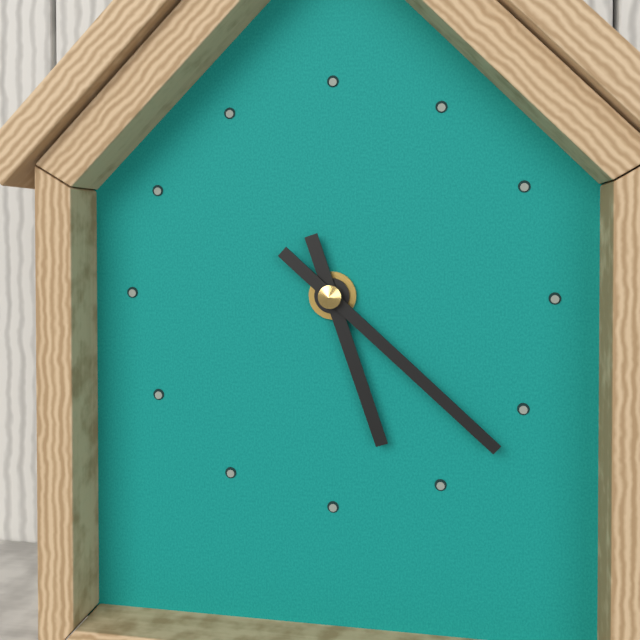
5:22
